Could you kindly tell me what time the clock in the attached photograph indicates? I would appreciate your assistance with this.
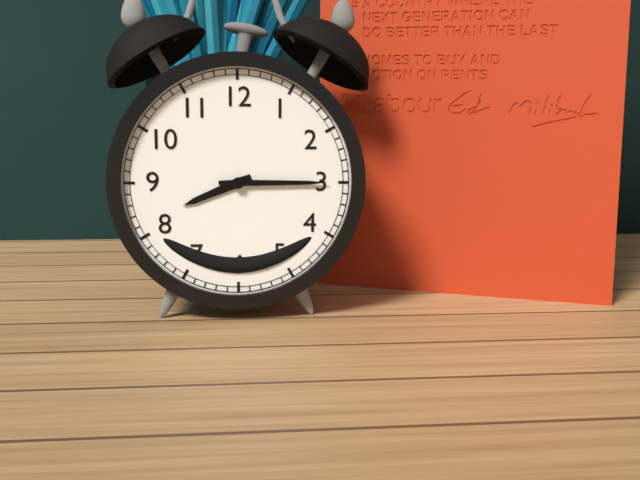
8:15
